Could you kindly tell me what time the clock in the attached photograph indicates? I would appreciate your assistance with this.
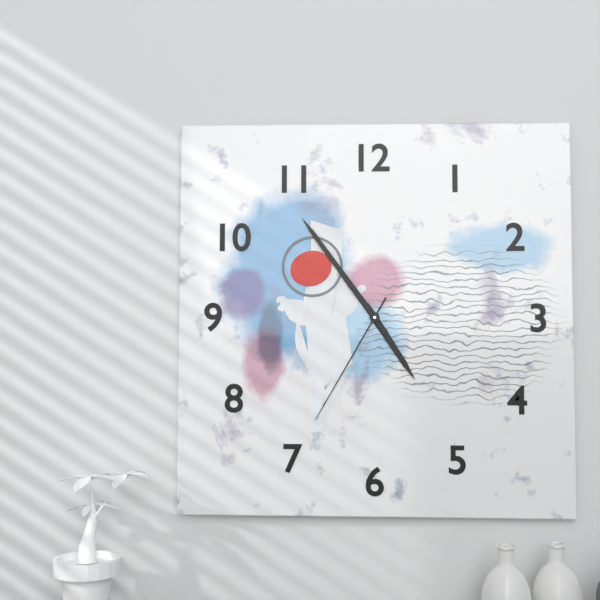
4:54:35
